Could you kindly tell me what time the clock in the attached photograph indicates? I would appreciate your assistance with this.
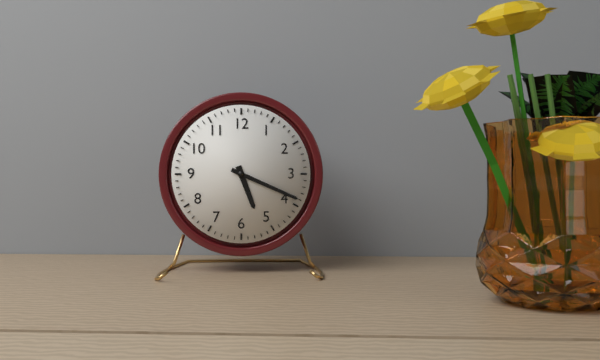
5:19
